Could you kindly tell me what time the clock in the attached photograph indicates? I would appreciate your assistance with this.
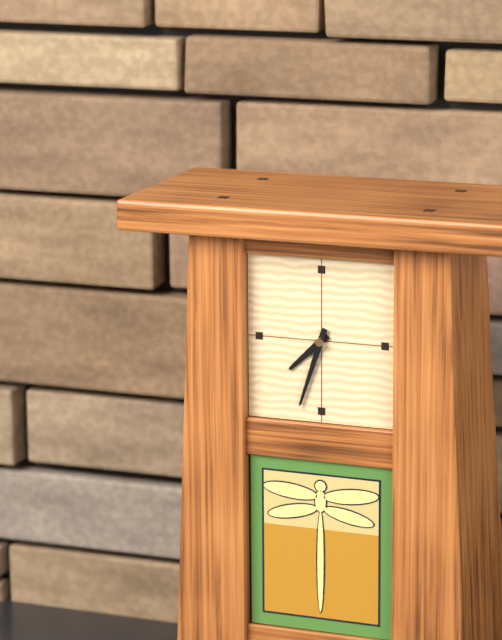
7:33
